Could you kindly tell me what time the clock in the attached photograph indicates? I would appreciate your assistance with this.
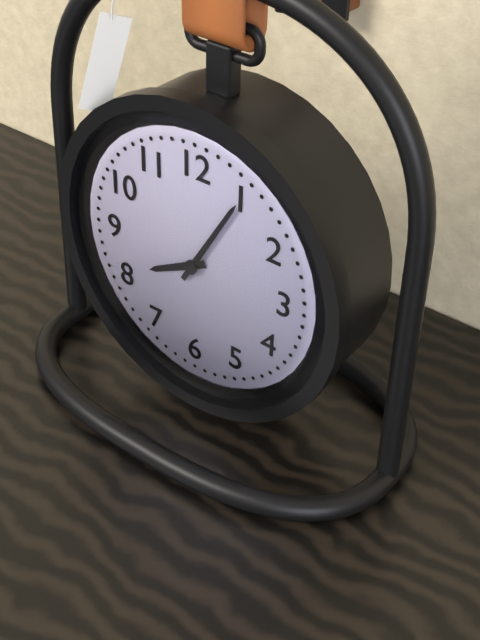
8:05
